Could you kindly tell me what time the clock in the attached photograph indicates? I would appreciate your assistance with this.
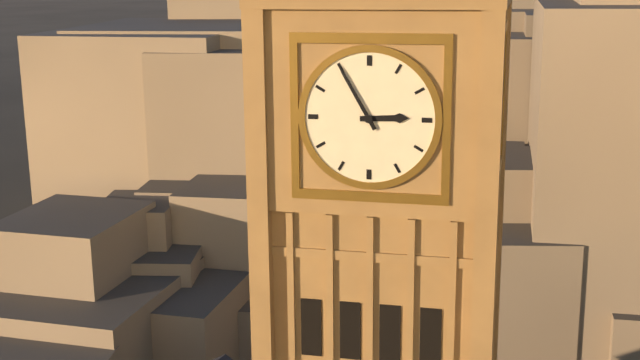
2:55
